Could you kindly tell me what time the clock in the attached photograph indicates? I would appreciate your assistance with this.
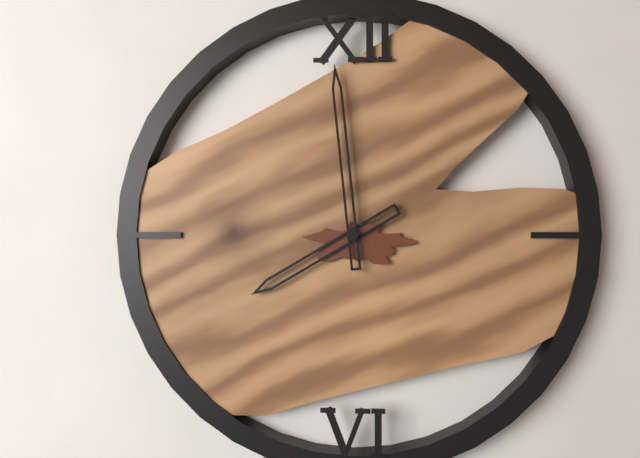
7:59
